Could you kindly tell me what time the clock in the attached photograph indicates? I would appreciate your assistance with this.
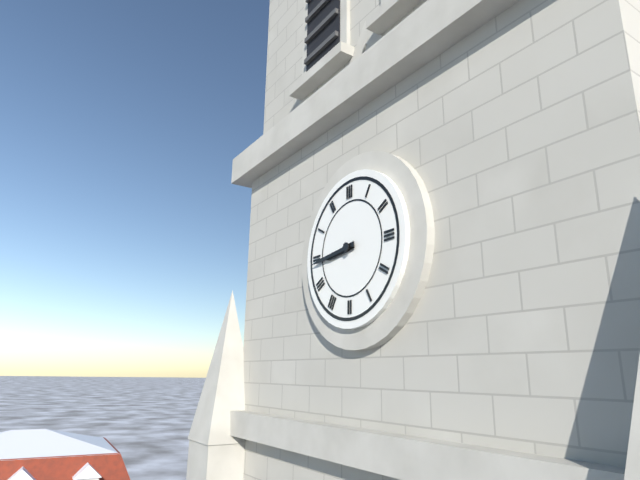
8:44
